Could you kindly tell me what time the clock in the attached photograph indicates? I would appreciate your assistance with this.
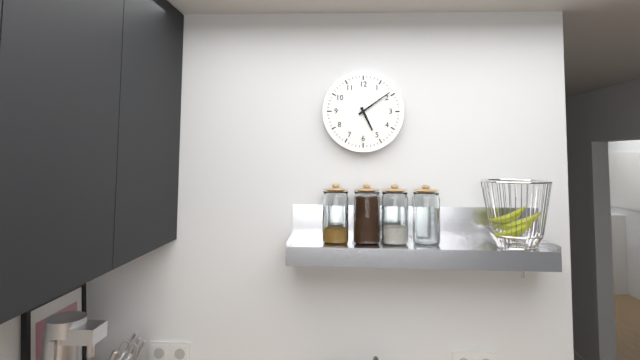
5:09
